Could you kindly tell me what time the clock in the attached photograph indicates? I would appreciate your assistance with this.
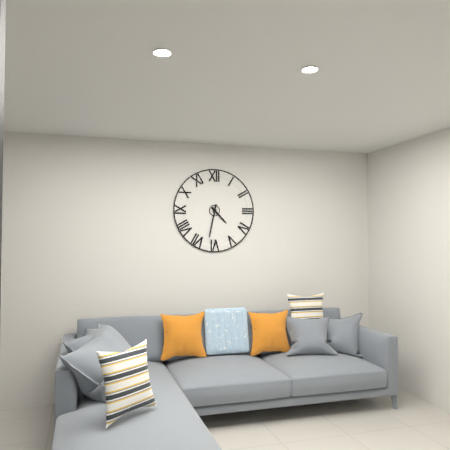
4:32
